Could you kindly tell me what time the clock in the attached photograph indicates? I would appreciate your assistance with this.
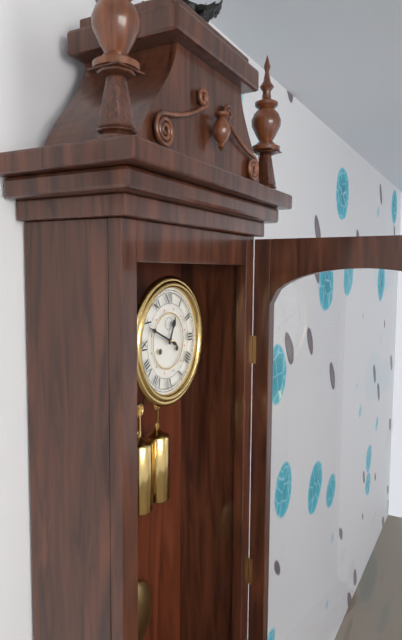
12:49
